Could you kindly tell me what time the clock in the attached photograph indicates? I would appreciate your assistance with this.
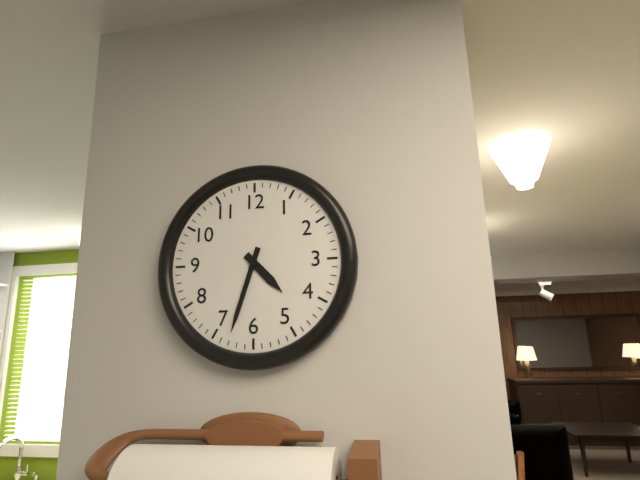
4:33
